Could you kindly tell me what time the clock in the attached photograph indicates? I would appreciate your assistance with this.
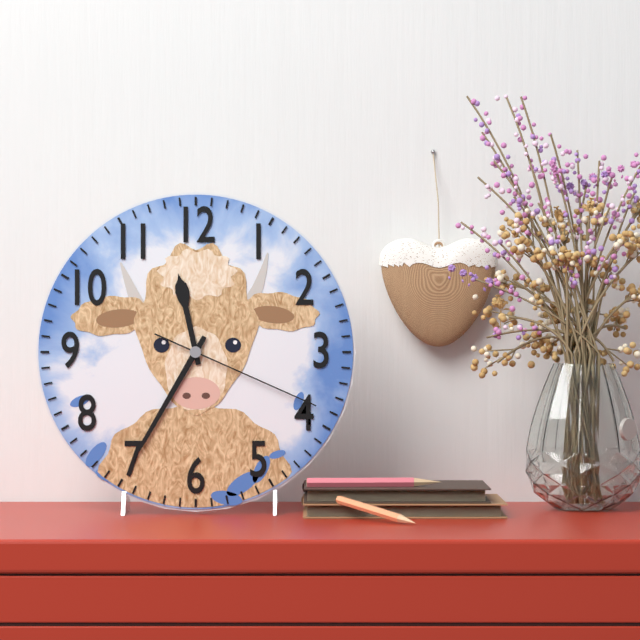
11:35:19
